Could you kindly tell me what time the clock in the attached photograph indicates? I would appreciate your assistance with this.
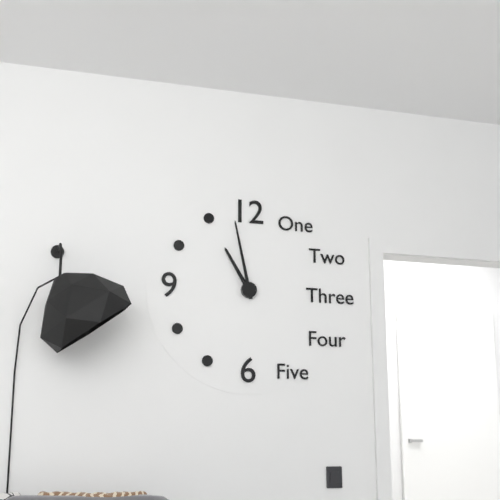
10:58
